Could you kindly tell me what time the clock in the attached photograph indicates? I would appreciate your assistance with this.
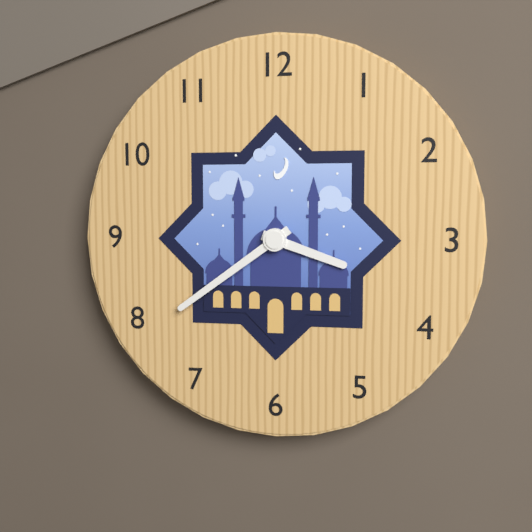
3:39
